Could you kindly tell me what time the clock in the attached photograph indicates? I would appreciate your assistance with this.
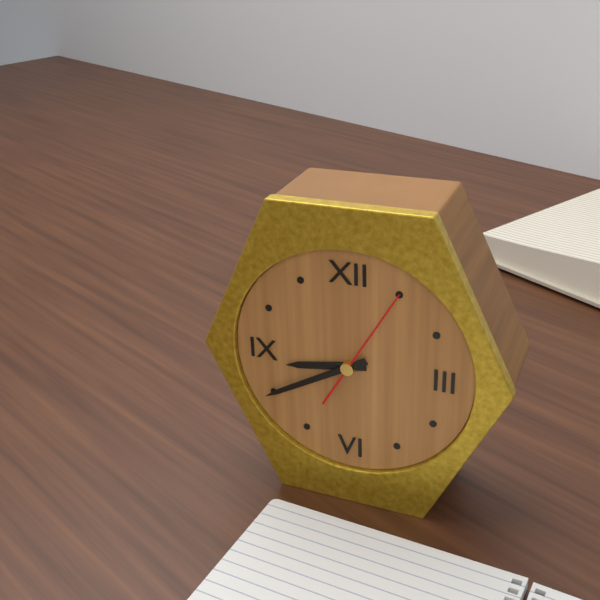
8:40:05
